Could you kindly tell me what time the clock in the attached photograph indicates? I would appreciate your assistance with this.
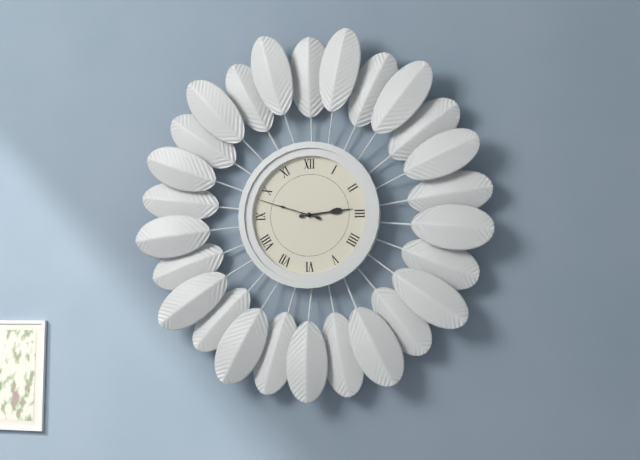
2:48
